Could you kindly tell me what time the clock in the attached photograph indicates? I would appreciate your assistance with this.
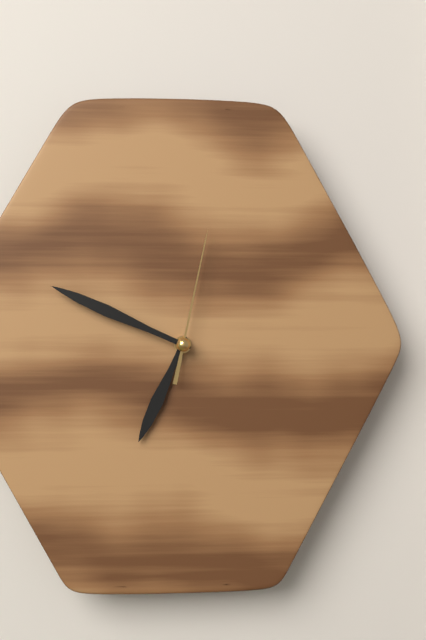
6:49:02
